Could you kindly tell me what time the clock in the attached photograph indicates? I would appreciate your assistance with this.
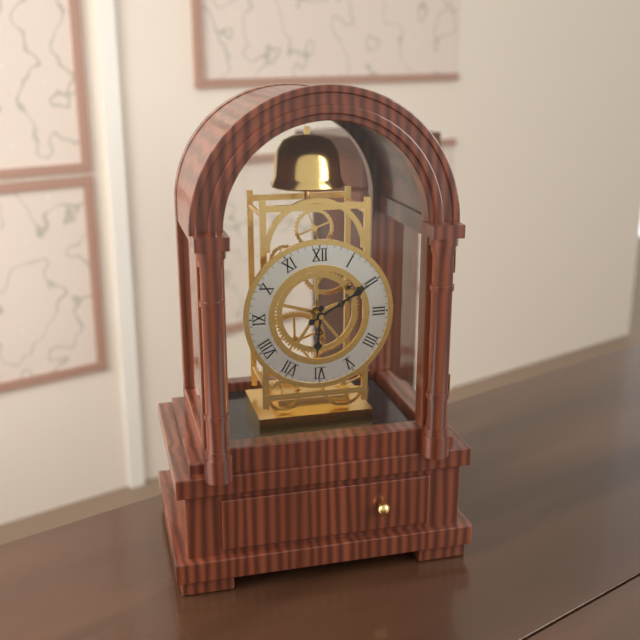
6:10
